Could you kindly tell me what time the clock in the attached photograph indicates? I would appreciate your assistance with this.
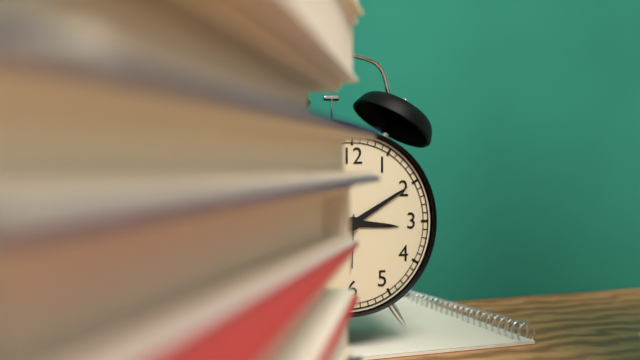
3:10
